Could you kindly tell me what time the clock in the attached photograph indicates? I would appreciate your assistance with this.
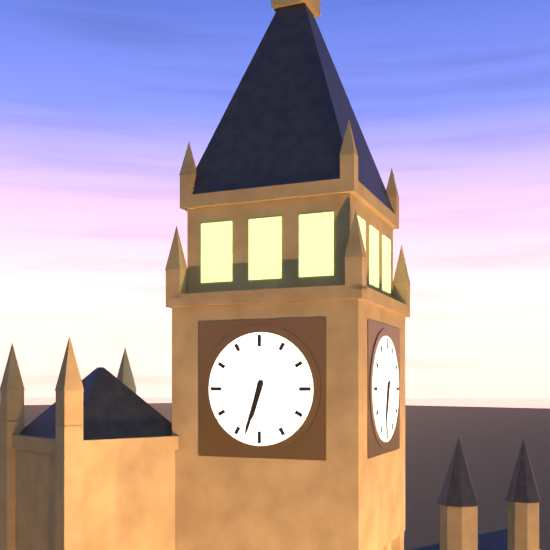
6:33
